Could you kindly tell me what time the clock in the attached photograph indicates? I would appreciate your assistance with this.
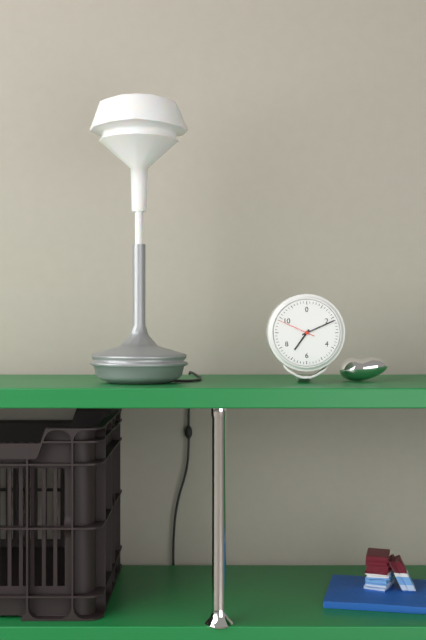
7:11
